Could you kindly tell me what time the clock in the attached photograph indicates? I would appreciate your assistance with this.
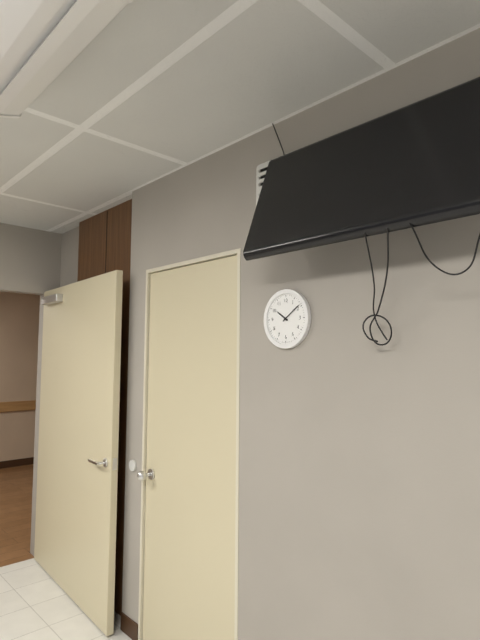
10:09
